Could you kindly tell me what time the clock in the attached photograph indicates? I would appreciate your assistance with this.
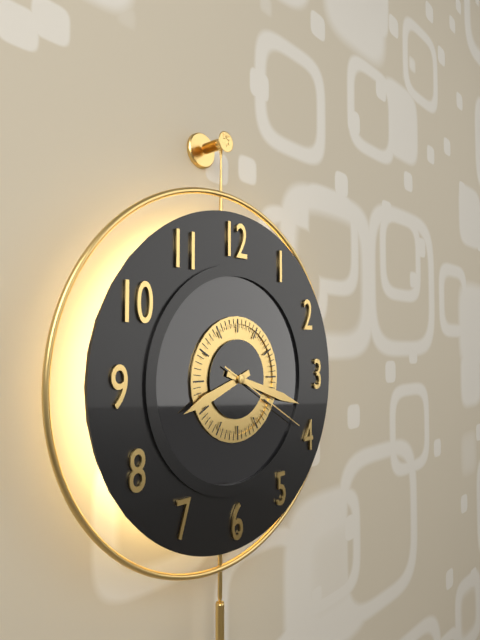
8:18:20
